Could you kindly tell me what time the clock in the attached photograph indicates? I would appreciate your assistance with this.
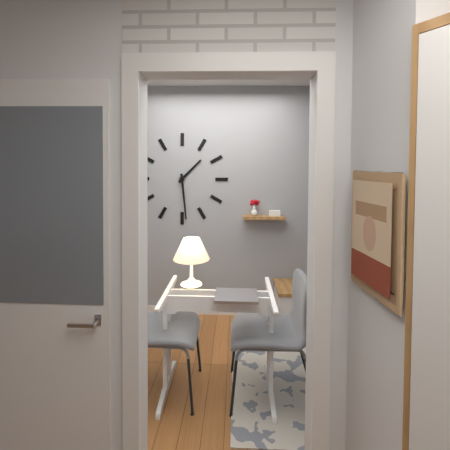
1:29
